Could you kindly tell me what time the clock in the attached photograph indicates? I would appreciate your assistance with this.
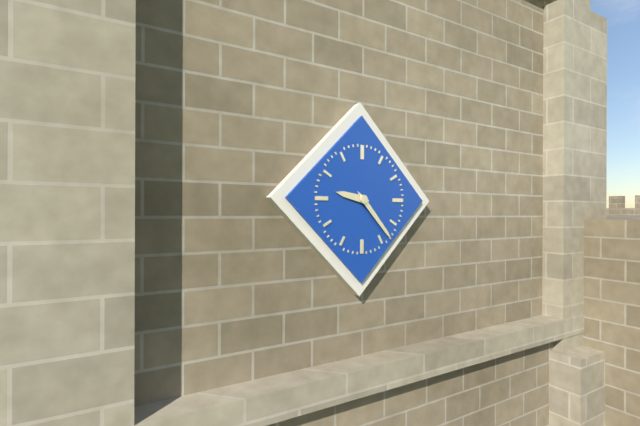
9:23
